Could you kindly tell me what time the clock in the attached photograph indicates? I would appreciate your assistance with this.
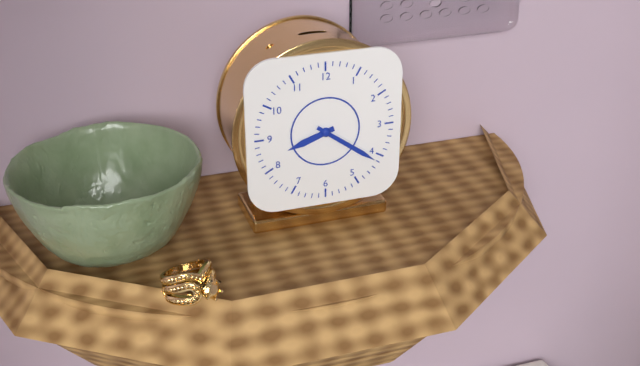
8:21
